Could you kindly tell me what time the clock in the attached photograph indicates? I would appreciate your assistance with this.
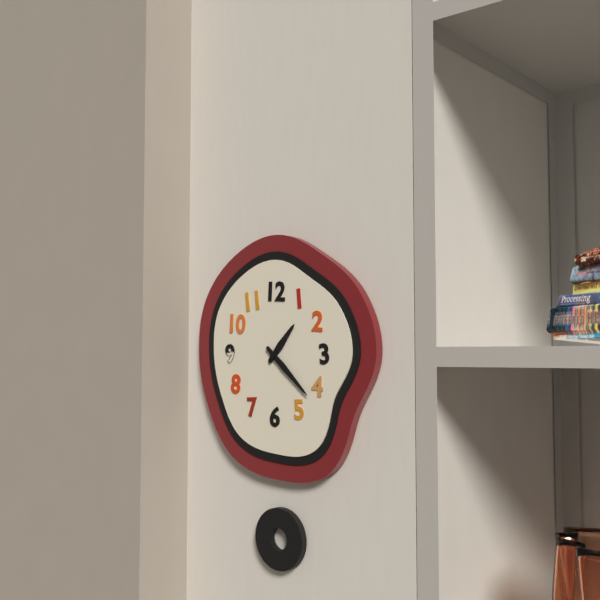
1:22
